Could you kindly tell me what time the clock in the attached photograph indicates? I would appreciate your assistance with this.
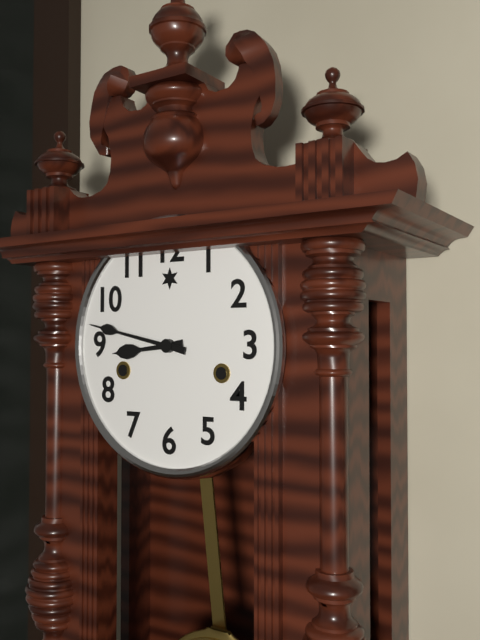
8:47
